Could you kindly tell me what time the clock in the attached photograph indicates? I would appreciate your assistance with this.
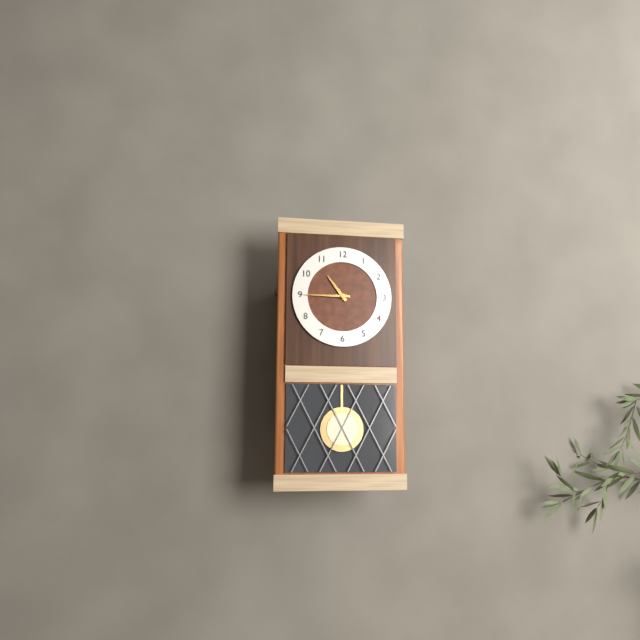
10:45
